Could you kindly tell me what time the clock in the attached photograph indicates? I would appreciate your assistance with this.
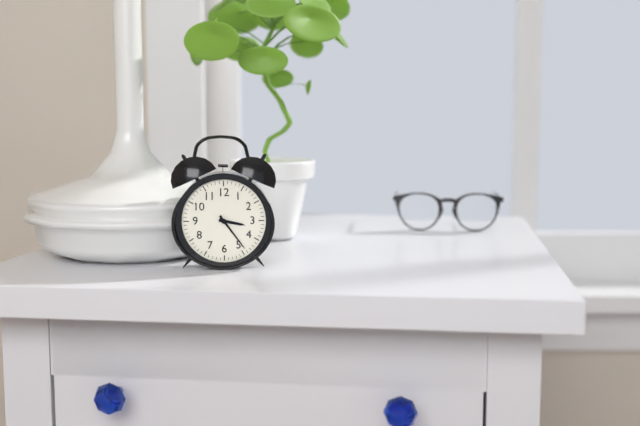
3:24
